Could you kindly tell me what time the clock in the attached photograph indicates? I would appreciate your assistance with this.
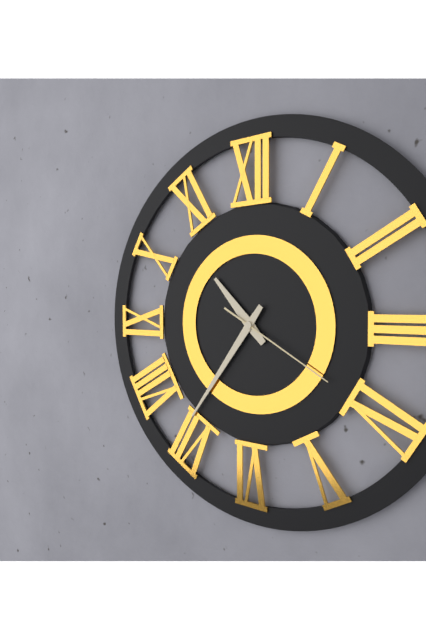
10:36:20
